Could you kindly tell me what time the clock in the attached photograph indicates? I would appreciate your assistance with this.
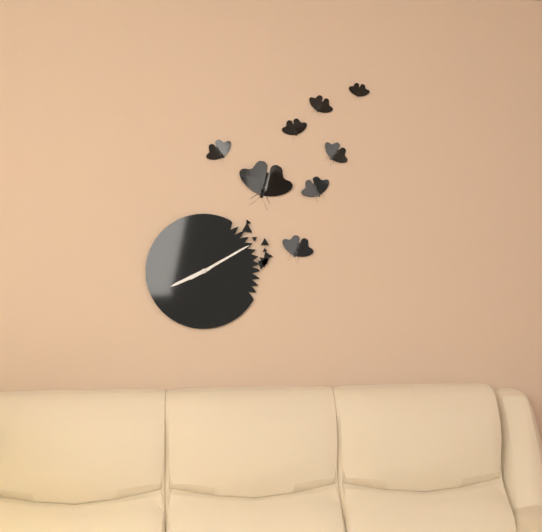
8:10
